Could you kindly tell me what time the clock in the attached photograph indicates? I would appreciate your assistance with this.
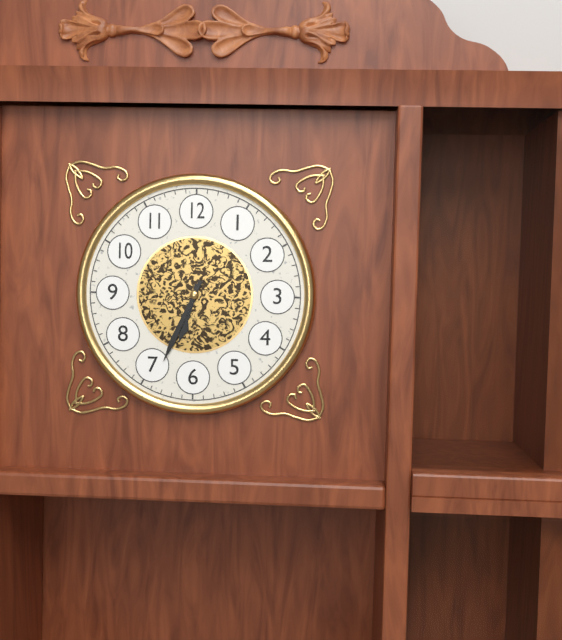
6:34
